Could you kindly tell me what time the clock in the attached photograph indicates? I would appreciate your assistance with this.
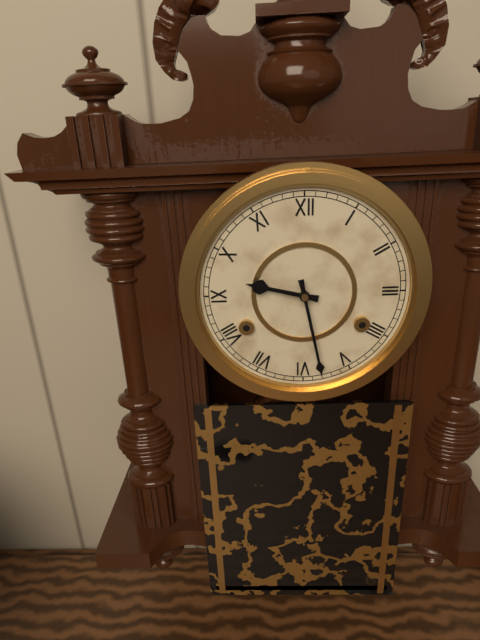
9:28
